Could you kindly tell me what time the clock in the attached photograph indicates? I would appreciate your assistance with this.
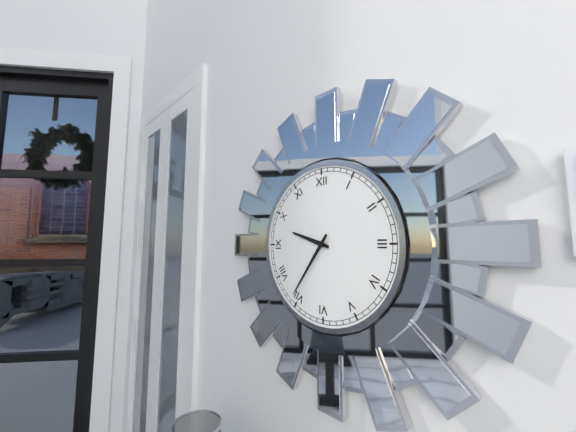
9:36
